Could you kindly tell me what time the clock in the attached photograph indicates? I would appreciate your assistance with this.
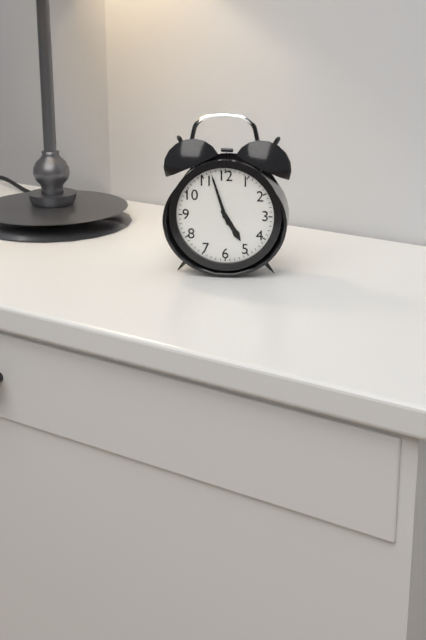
4:57
